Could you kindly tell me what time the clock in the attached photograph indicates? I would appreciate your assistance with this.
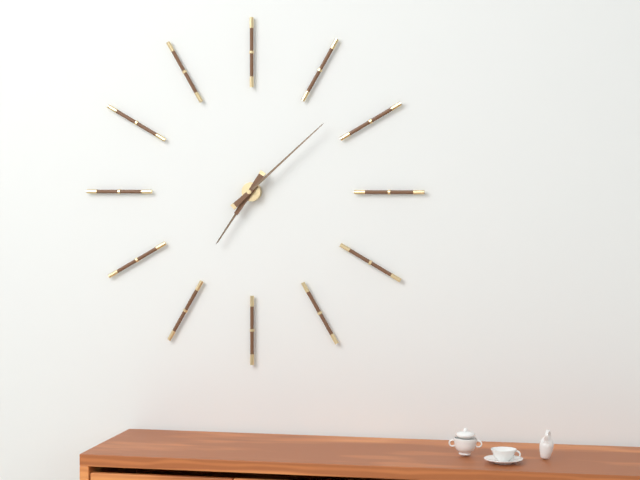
7:08
